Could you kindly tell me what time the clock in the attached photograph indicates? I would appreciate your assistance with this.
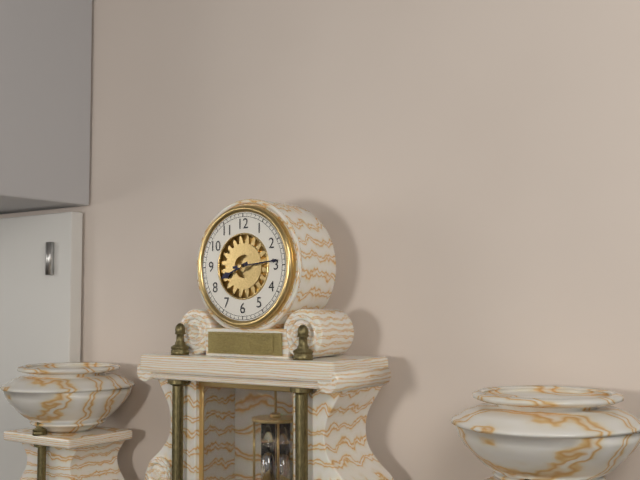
8:14
